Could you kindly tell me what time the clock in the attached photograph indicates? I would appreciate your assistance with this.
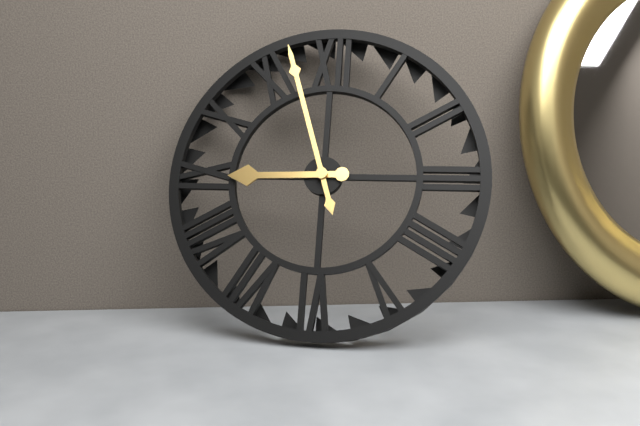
8:57
